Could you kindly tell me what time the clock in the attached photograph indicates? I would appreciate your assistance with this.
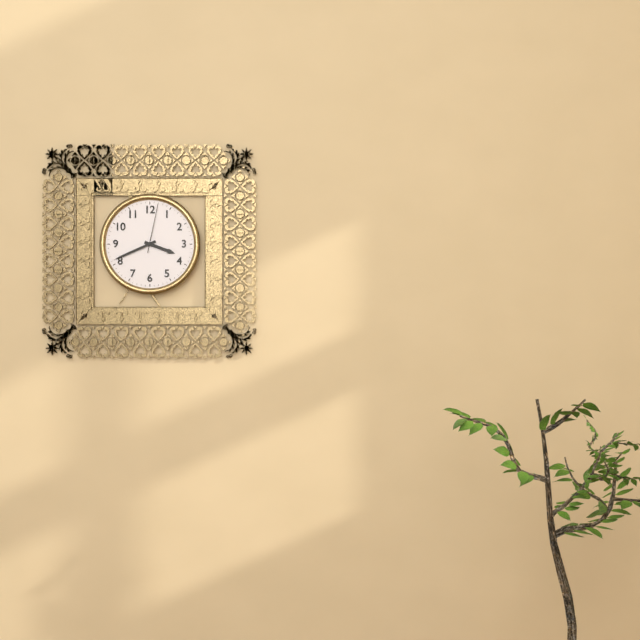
3:41:02
